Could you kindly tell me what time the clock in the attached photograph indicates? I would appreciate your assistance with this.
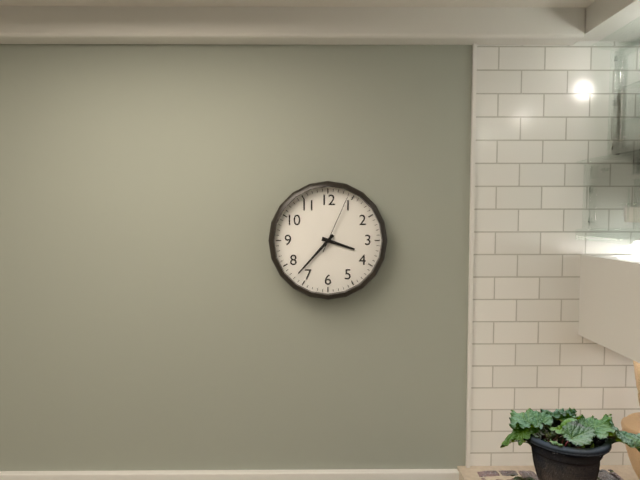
3:37:04
